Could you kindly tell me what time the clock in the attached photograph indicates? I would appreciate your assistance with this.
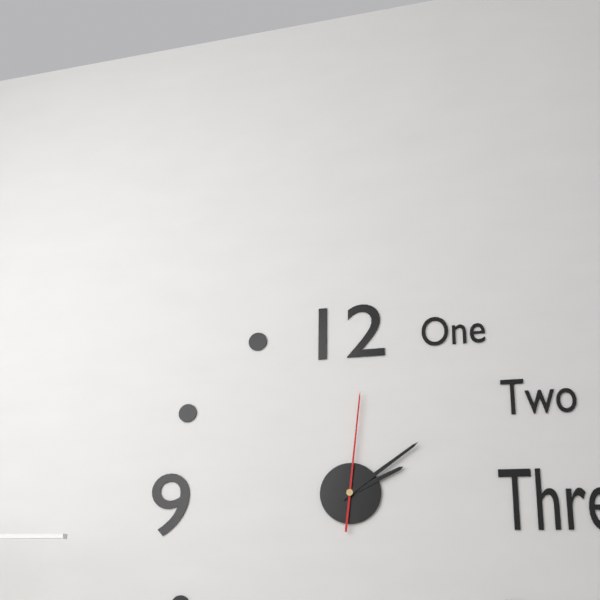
2:09:01
